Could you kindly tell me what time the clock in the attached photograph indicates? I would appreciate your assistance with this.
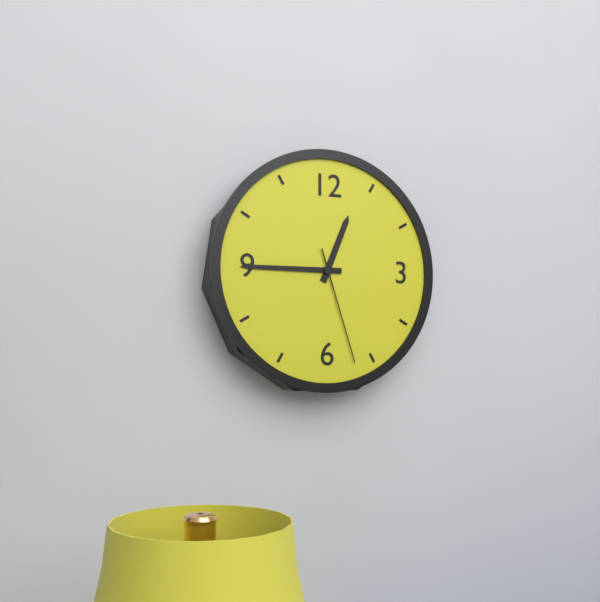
12:45:27
